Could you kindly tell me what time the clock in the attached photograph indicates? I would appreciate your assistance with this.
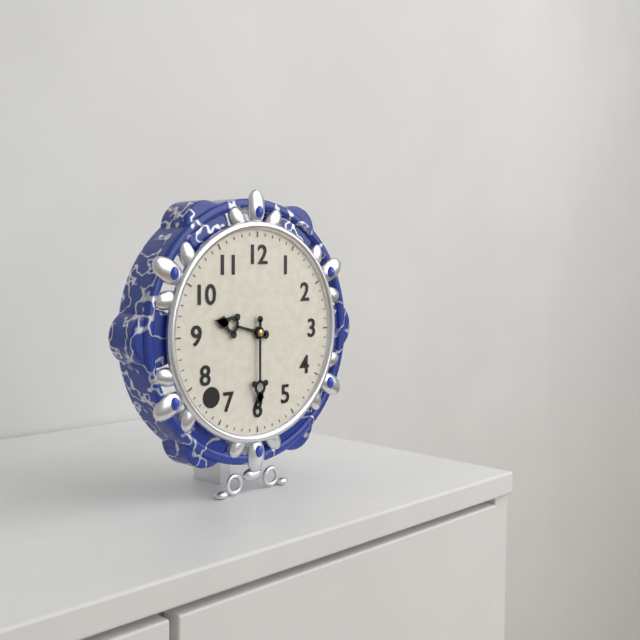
9:30
